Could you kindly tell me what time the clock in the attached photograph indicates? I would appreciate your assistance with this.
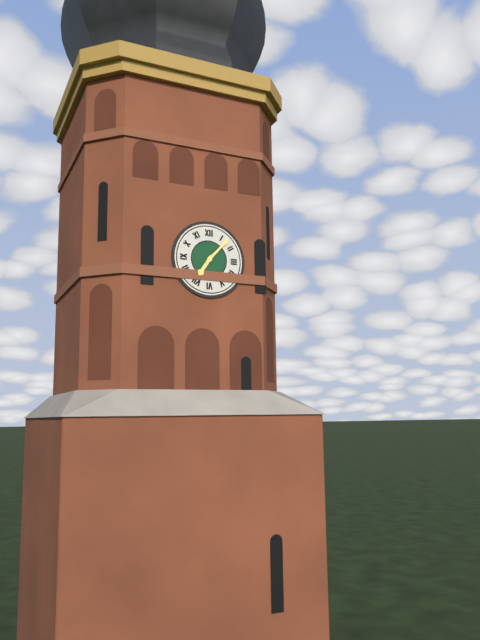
7:07
